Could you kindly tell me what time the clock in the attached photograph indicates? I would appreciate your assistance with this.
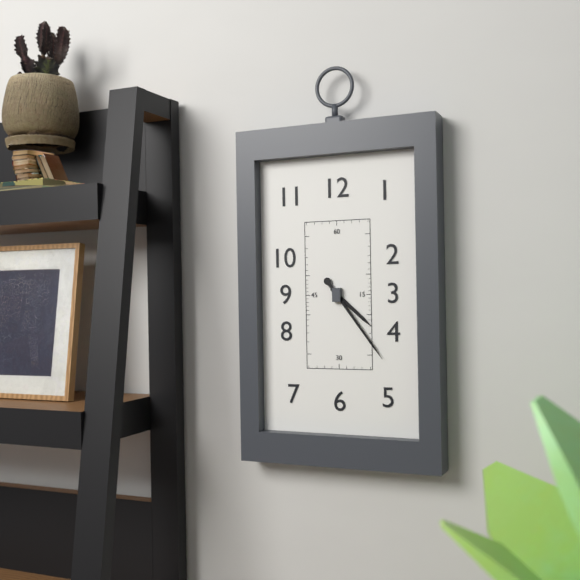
4:24
